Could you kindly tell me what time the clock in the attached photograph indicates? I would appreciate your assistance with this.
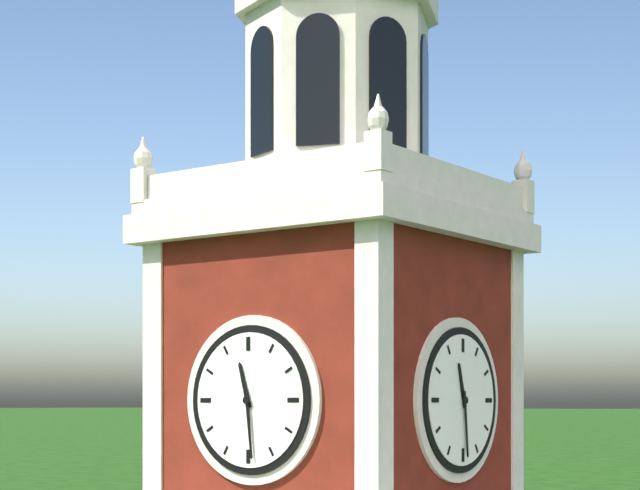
11:29
